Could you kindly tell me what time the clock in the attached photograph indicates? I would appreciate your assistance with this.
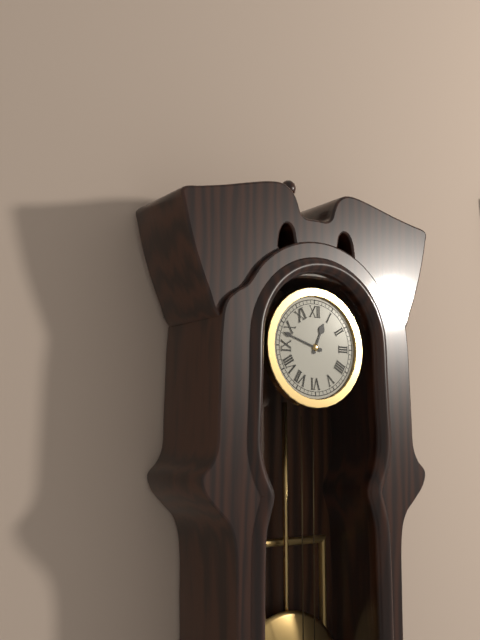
12:48
